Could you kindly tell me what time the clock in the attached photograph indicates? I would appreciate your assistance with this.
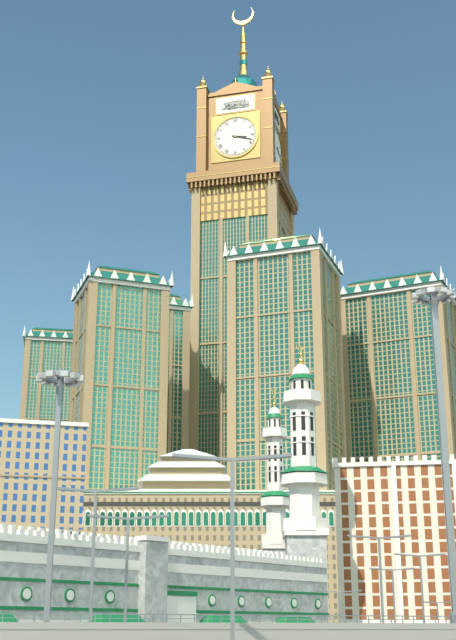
3:18
